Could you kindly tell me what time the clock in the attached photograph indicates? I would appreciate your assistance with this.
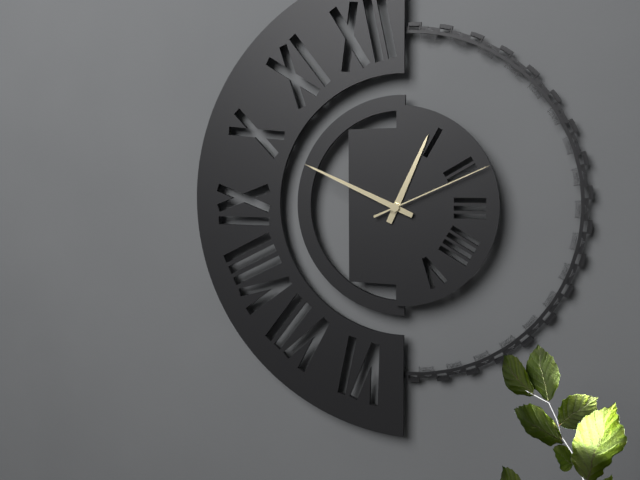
12:49:11
